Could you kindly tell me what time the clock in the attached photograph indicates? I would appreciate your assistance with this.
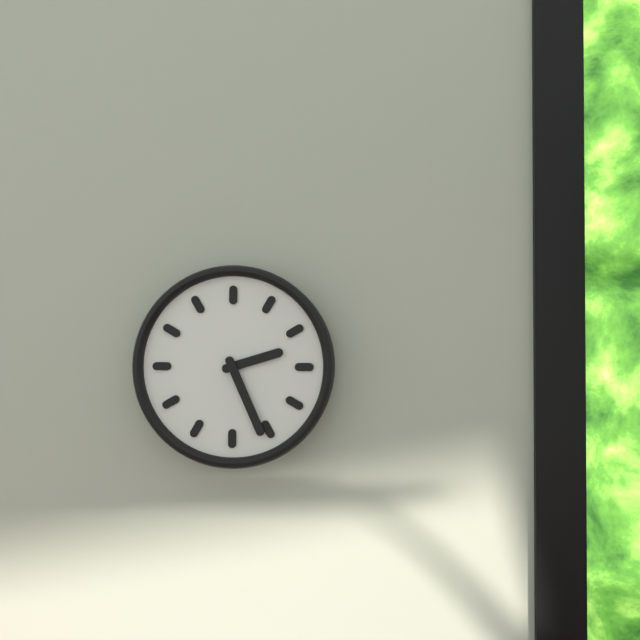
2:26
